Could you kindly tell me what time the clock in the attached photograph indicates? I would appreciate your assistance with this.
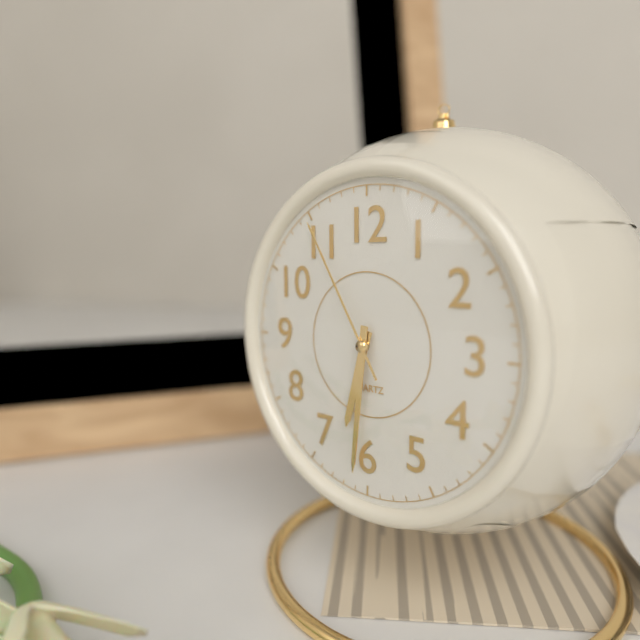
6:31:55
